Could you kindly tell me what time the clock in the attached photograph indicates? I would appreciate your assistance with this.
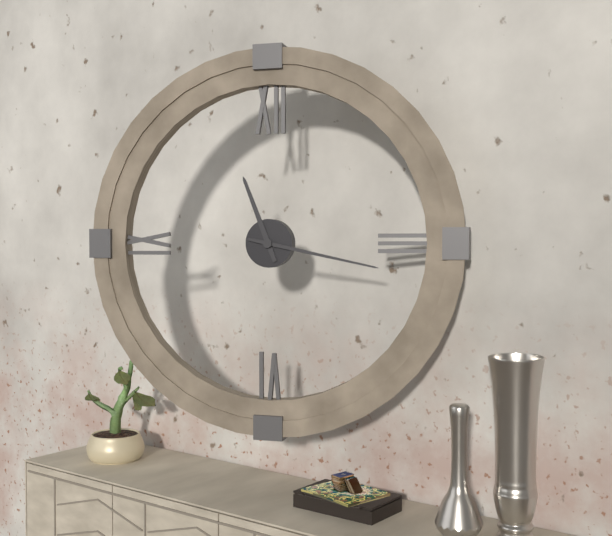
11:17
